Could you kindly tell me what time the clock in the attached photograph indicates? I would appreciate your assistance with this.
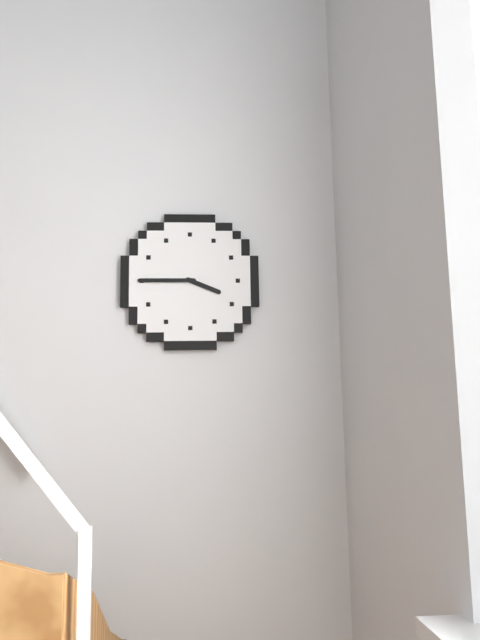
3:45
